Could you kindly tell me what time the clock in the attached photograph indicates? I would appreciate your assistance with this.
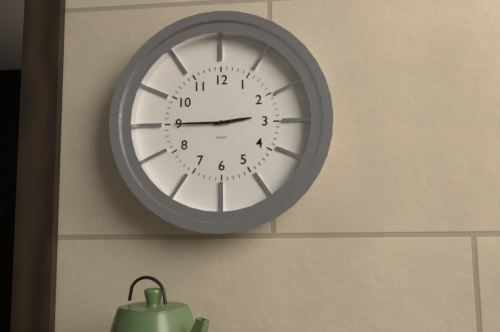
2:45
